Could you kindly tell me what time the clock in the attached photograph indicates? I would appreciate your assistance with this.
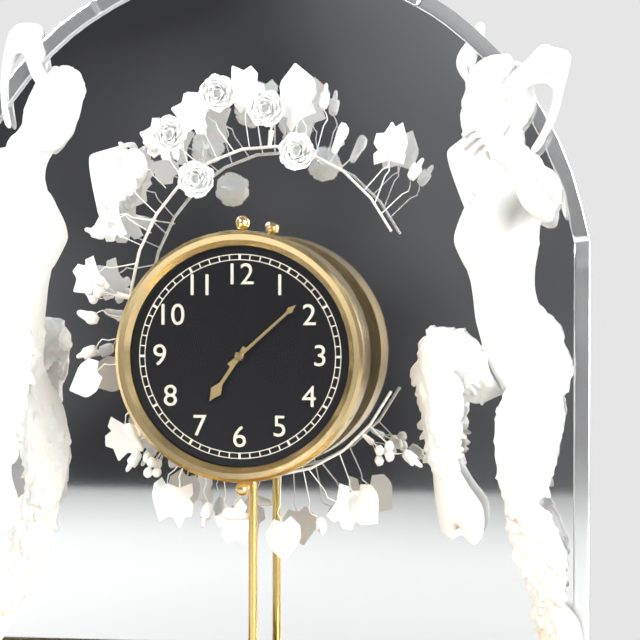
7:08
